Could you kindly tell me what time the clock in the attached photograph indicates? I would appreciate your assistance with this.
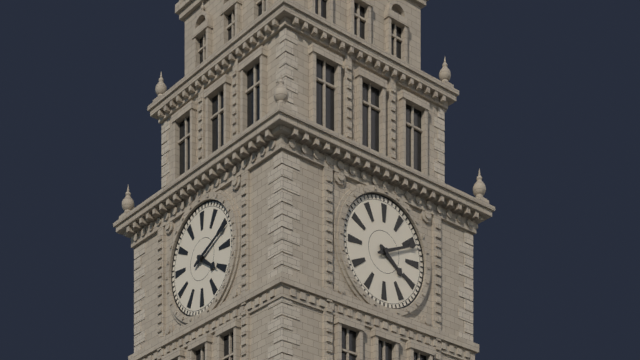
4:11
